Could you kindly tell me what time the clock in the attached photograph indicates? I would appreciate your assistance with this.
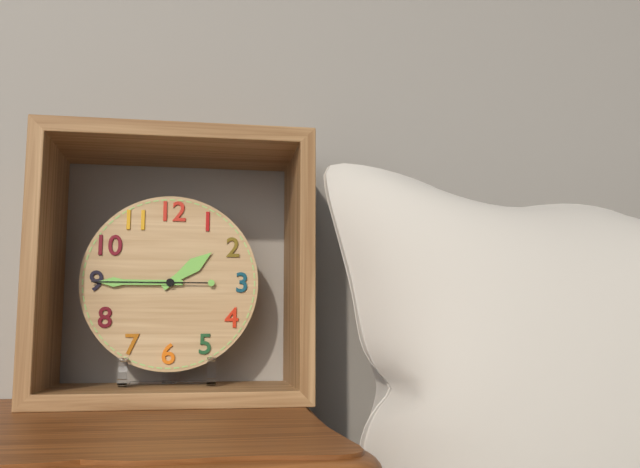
1:45:45
